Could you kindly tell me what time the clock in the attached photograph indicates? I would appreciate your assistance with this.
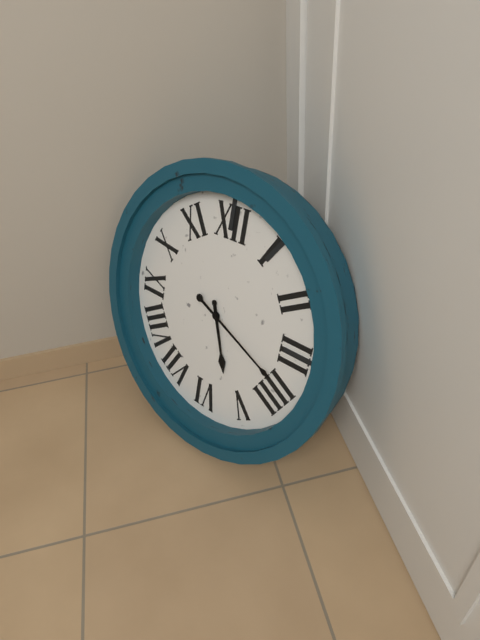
5:19
